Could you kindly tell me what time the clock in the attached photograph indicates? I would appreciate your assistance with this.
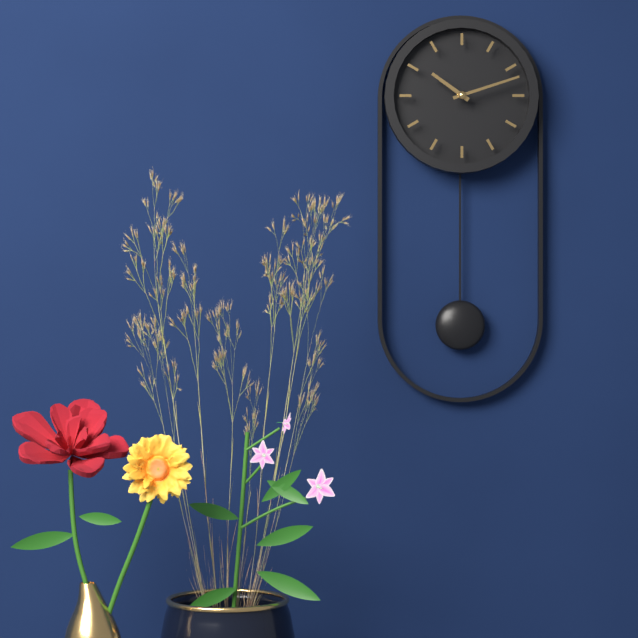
10:12
